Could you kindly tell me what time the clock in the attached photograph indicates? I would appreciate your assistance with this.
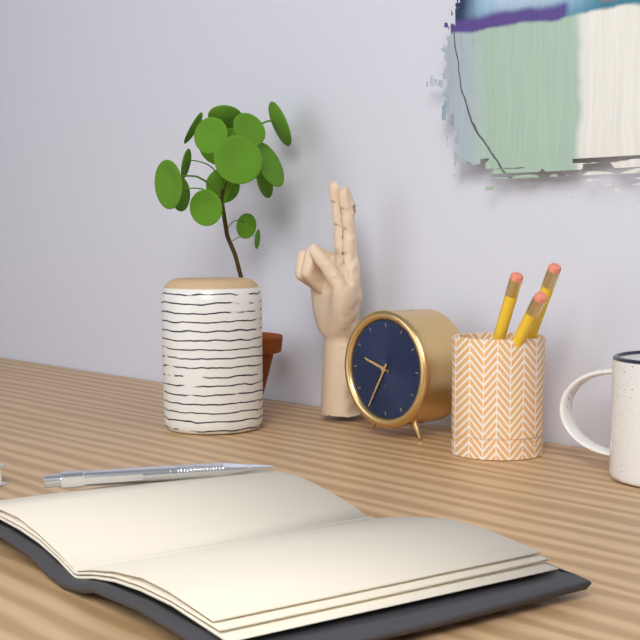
9:35
